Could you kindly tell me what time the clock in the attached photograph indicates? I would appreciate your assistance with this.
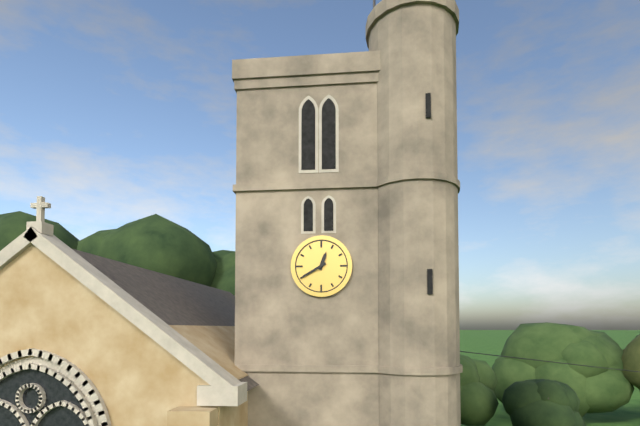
12:40
